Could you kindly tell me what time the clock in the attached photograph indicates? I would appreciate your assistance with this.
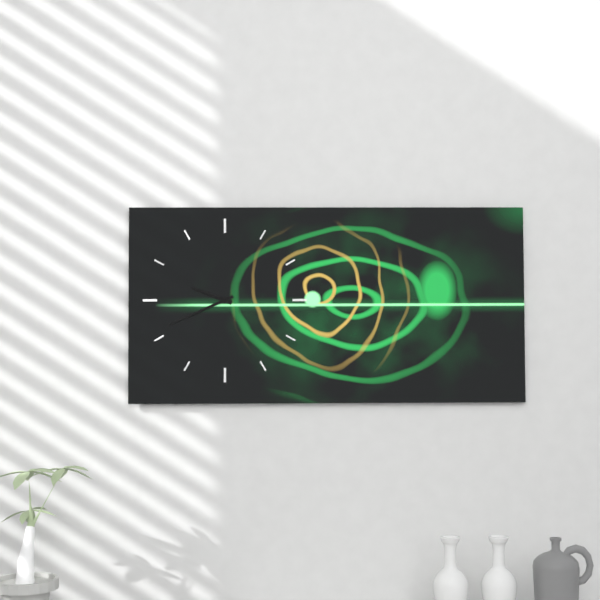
9:41
